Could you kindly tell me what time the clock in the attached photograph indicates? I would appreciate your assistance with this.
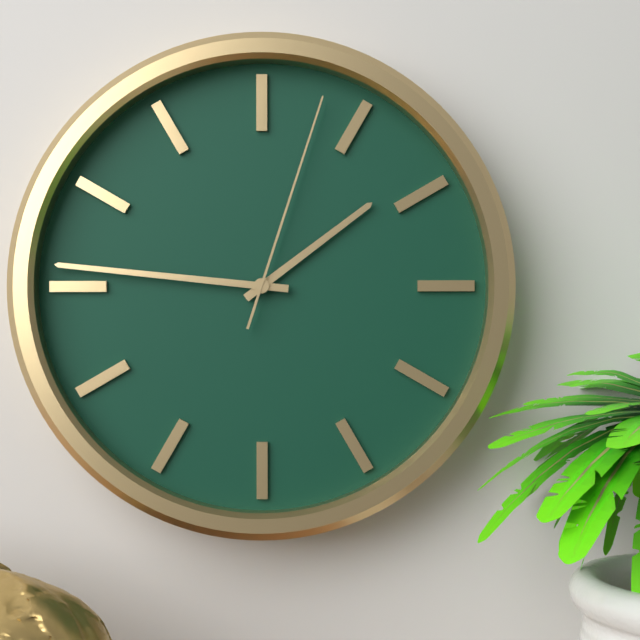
1:46:03
